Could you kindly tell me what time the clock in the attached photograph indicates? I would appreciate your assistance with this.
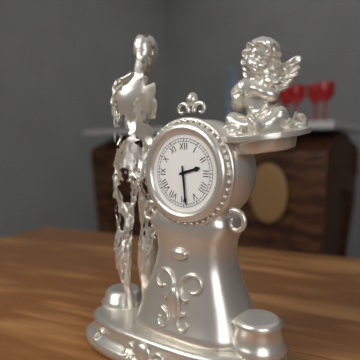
2:29
